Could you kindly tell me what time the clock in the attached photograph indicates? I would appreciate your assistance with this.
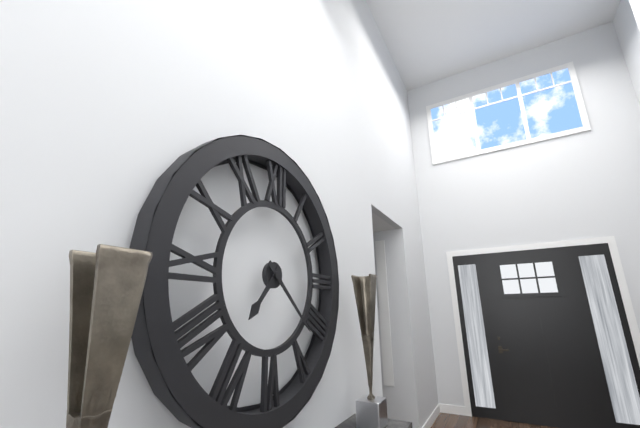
7:22
